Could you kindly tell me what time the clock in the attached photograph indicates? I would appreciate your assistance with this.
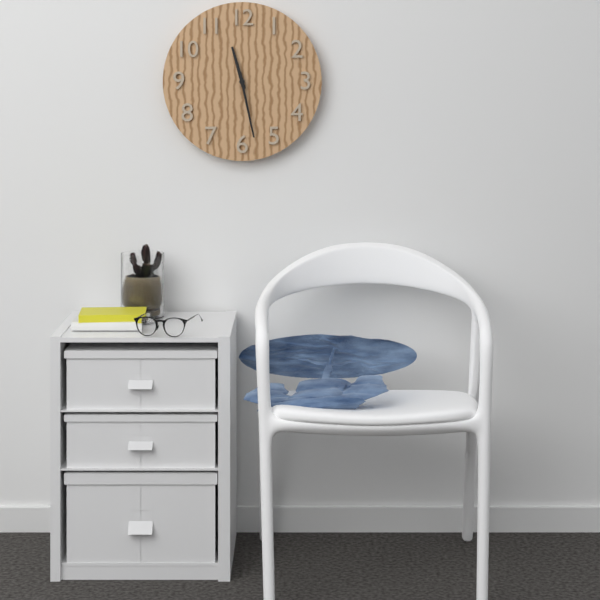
11:28
